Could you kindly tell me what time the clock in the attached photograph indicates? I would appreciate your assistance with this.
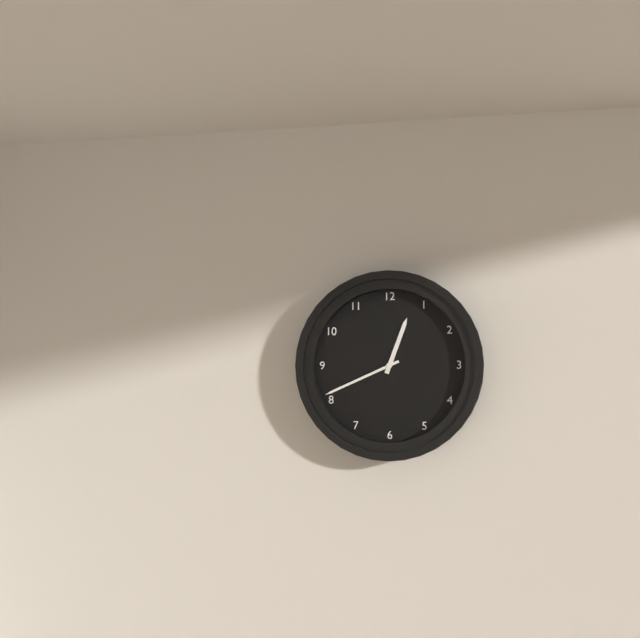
12:41
